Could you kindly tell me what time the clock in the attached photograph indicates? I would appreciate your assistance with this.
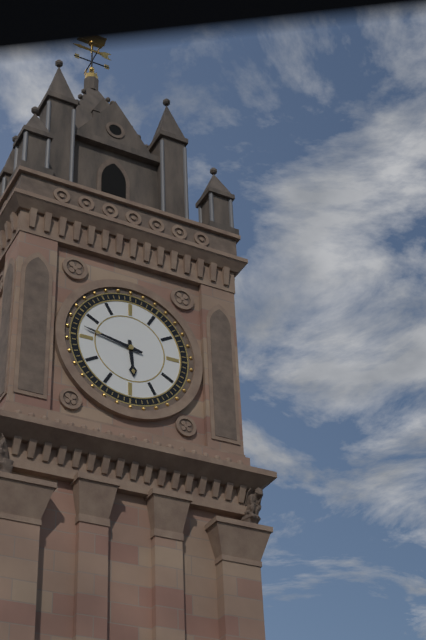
5:47
